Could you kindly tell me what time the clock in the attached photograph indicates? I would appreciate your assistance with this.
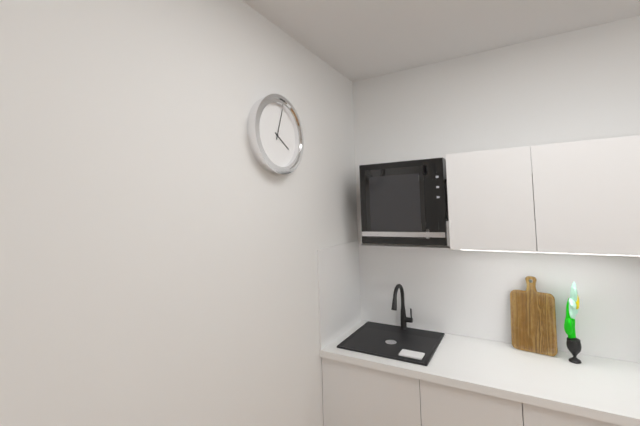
4:03
